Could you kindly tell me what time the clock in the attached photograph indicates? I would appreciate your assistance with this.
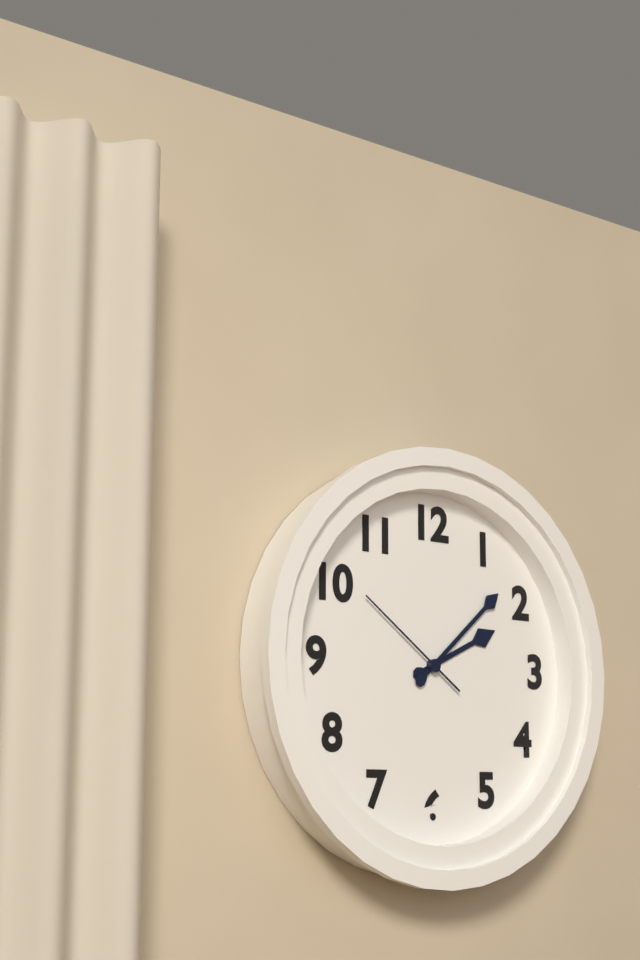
2:08:51
